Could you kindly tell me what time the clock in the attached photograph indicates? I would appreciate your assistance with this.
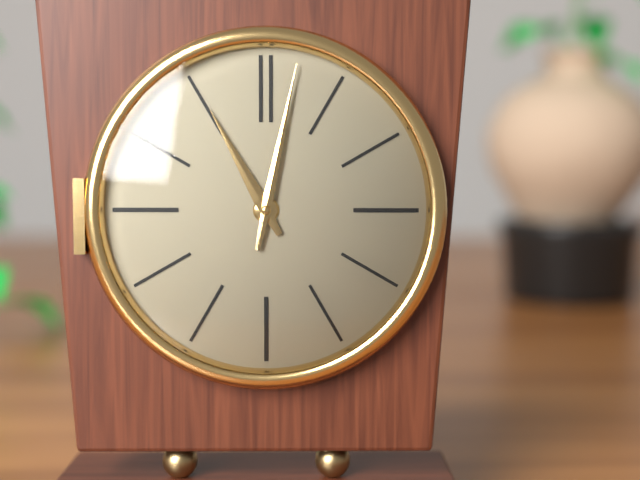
11:02
